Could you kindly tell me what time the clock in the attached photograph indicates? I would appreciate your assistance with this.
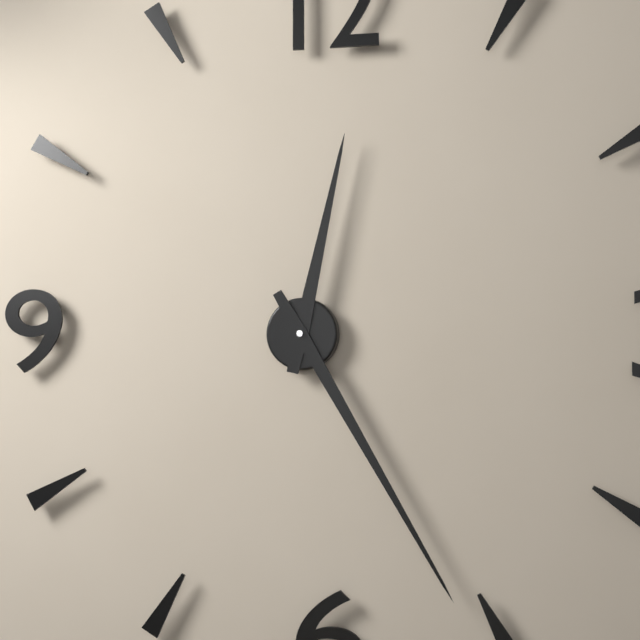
12:25
